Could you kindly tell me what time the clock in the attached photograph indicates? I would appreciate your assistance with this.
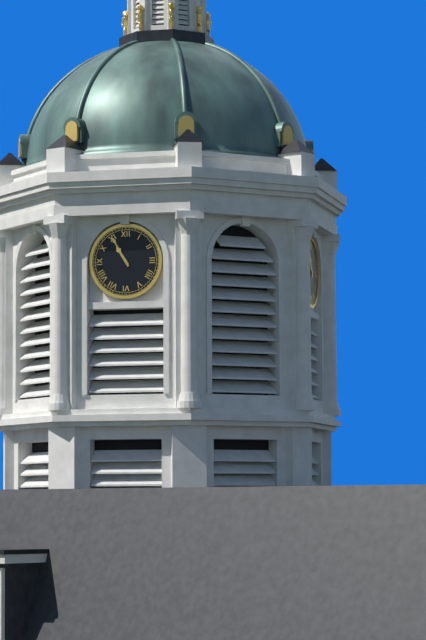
10:55
